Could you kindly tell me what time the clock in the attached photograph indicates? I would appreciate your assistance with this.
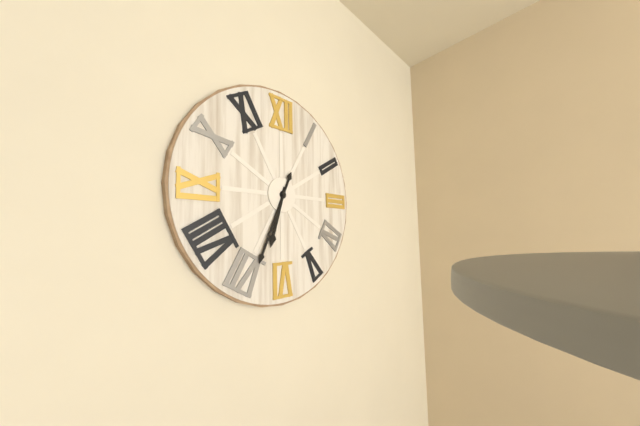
6:34
